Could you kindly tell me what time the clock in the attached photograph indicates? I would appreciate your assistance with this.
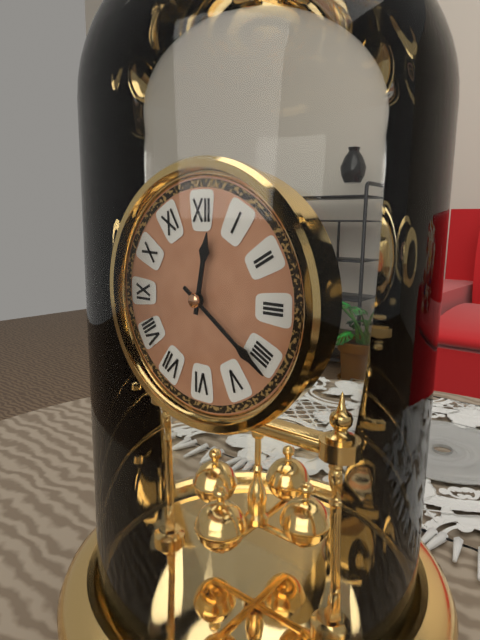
12:21
